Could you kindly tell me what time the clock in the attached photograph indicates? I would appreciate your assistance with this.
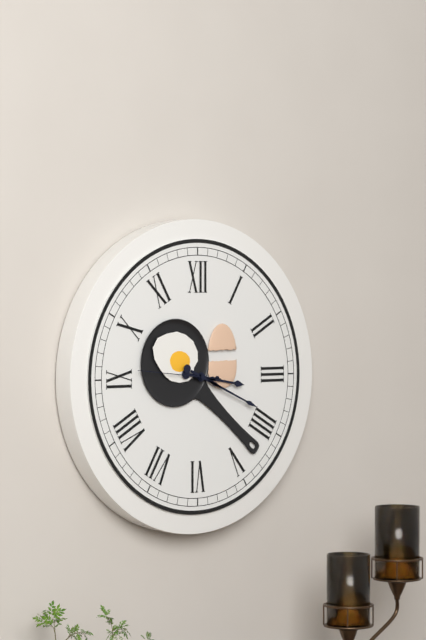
3:19:46
